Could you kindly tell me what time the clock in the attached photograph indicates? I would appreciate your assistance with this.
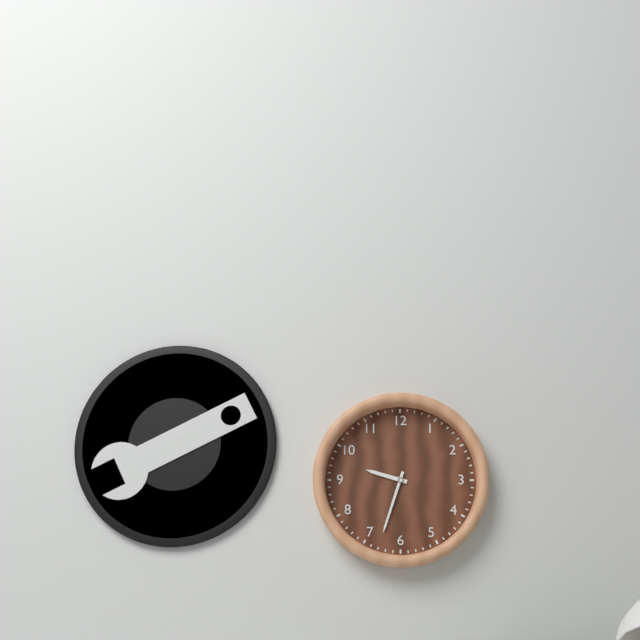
9:33
